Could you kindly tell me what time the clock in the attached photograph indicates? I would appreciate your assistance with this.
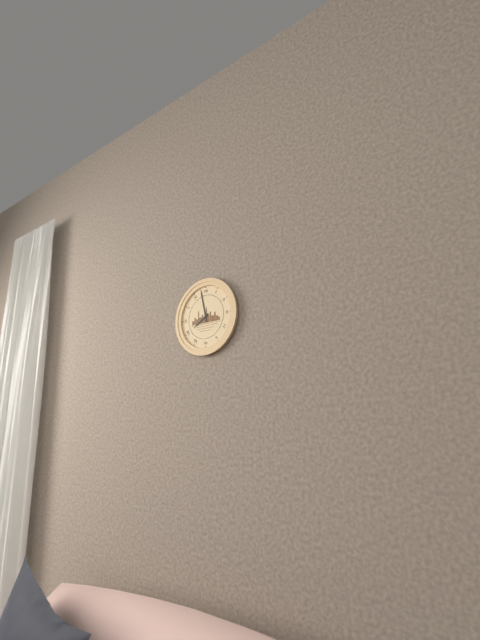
7:58
